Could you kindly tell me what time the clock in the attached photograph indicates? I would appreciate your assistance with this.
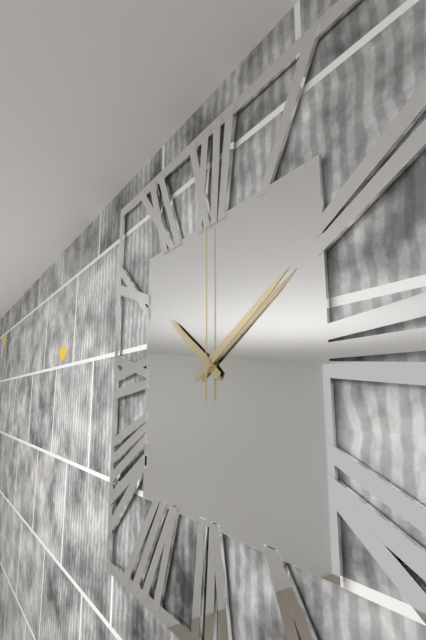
10:10:00
